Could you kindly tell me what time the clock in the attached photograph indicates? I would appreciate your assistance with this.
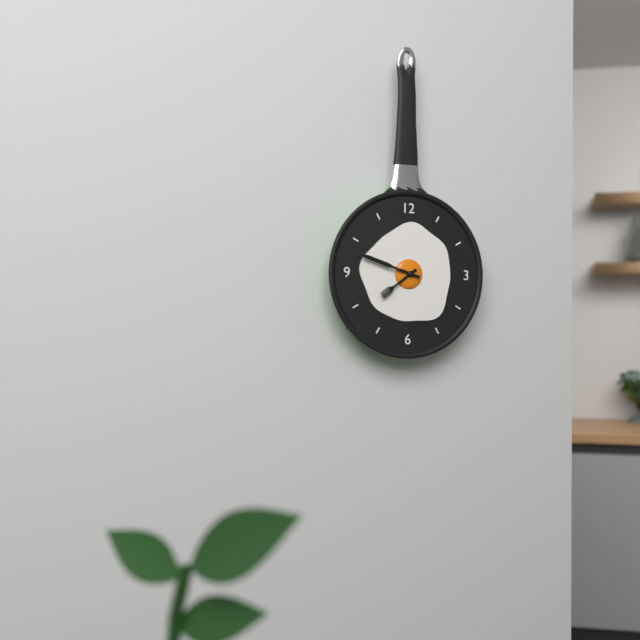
7:48
